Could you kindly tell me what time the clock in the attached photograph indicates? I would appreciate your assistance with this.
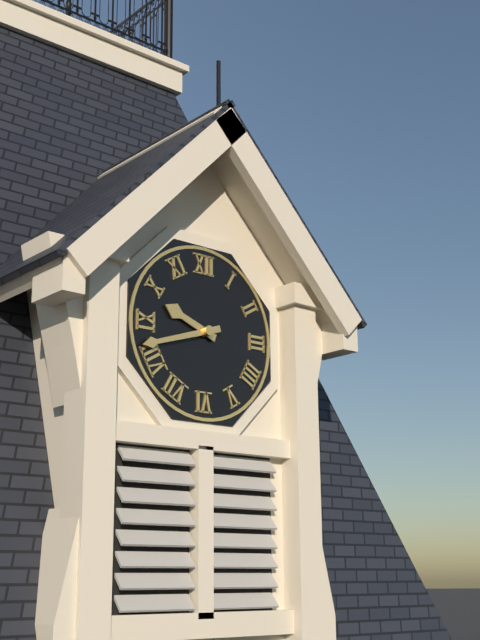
9:42
